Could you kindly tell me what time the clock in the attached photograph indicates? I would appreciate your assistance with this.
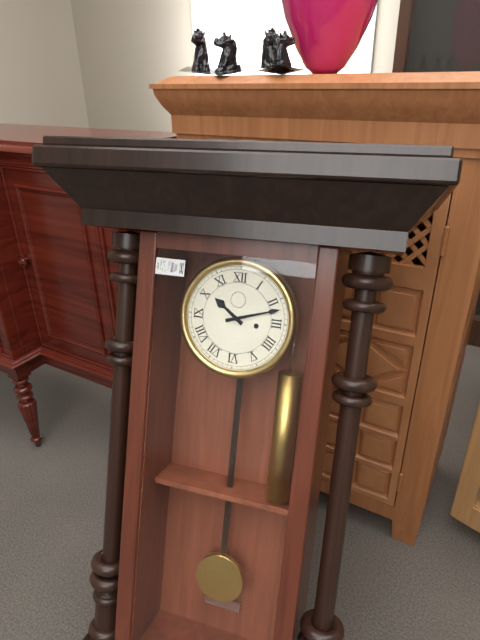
10:12
